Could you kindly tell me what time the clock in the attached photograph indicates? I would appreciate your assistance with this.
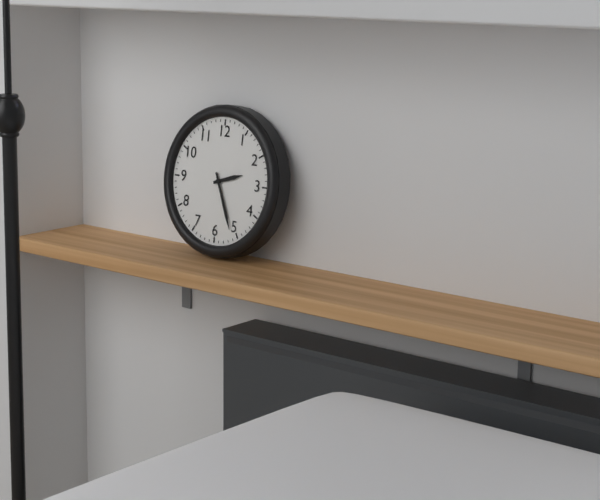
2:26
